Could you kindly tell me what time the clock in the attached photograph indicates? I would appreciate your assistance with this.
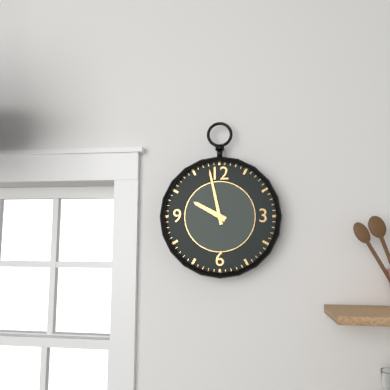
9:58
